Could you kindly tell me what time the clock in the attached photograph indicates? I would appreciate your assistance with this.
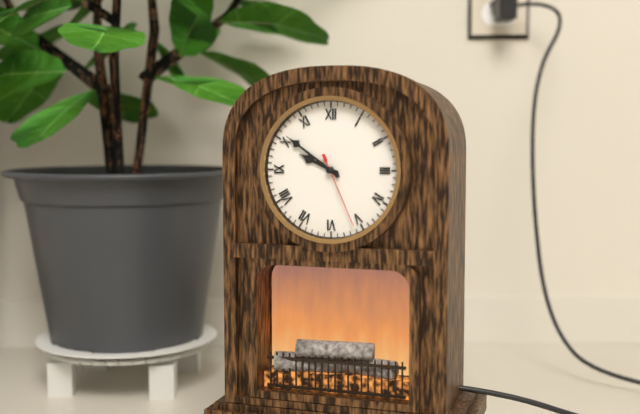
9:51:26
